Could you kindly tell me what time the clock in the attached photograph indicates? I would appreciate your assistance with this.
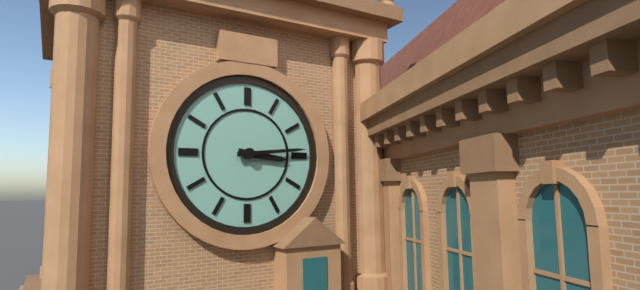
3:14
